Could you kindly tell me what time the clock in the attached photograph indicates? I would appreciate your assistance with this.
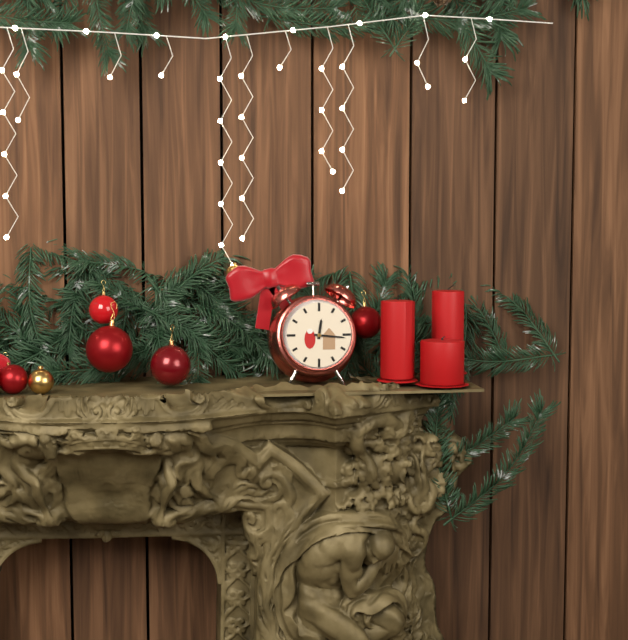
12:16
